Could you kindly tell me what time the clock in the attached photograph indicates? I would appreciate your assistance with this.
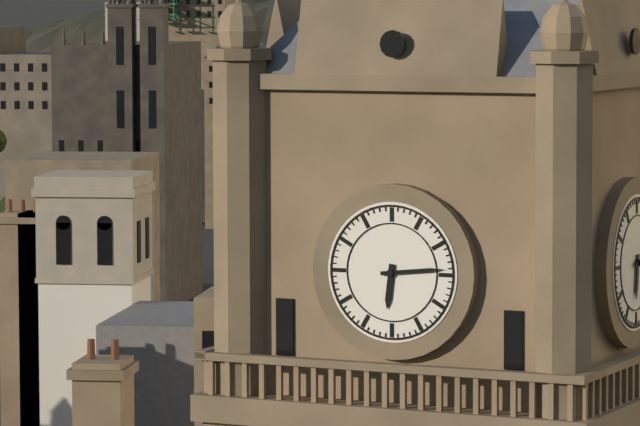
6:14
